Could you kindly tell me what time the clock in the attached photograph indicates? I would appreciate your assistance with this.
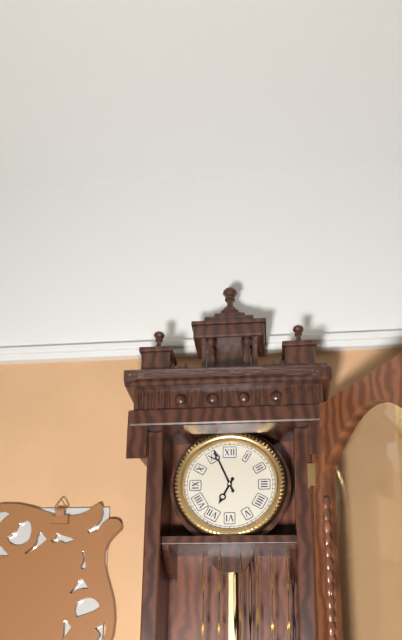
6:56
